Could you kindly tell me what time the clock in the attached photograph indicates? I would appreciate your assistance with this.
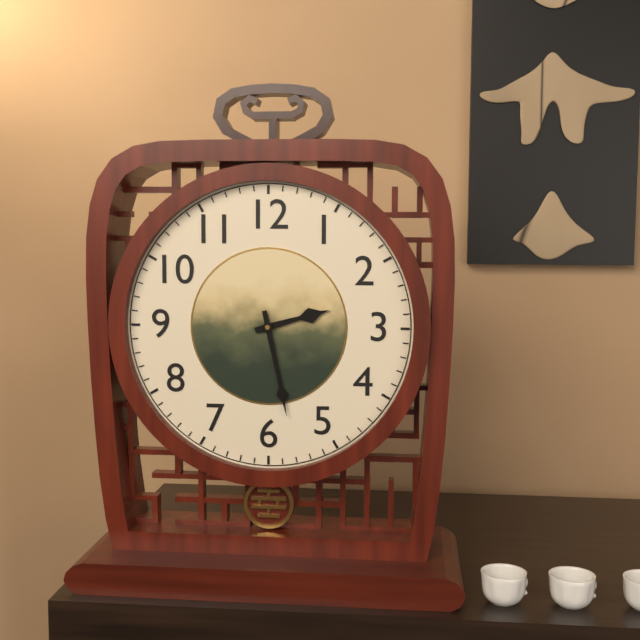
2:28
